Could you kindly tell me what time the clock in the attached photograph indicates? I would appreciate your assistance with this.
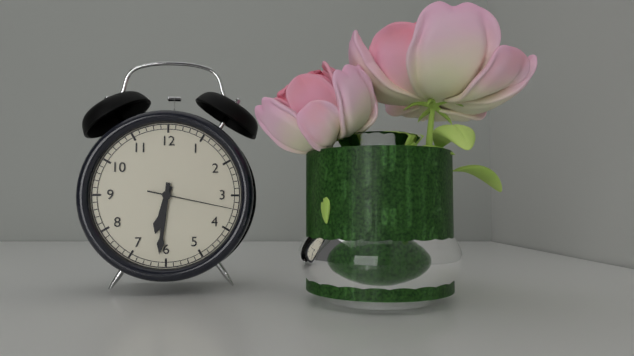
6:31:17
